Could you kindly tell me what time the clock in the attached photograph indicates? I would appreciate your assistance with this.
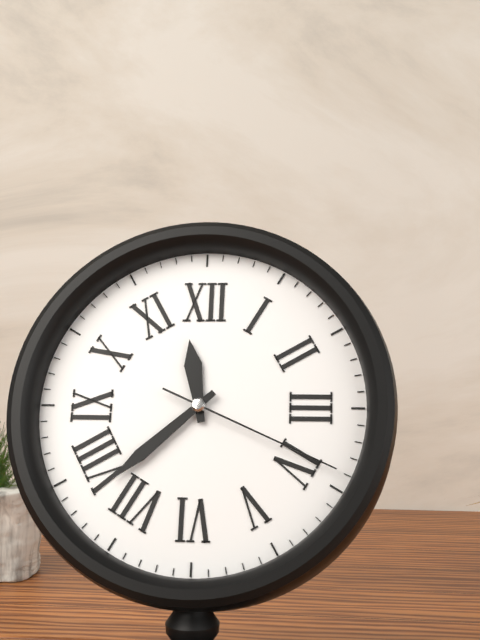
11:38:19
